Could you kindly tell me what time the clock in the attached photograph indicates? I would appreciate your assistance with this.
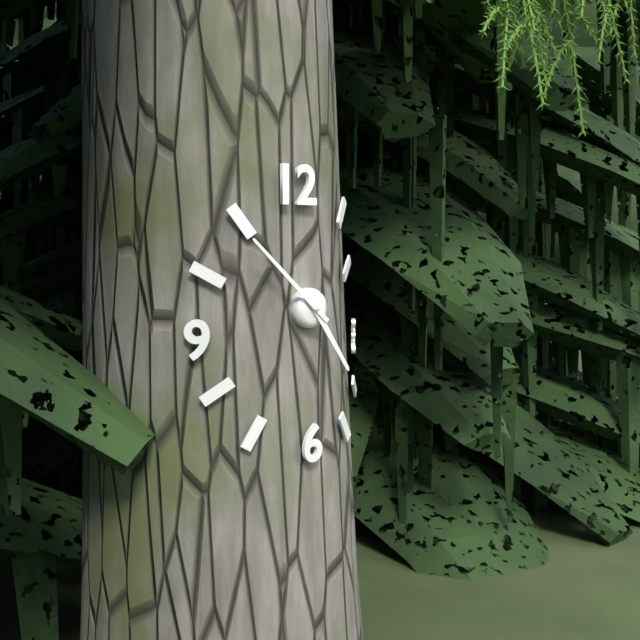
4:52
